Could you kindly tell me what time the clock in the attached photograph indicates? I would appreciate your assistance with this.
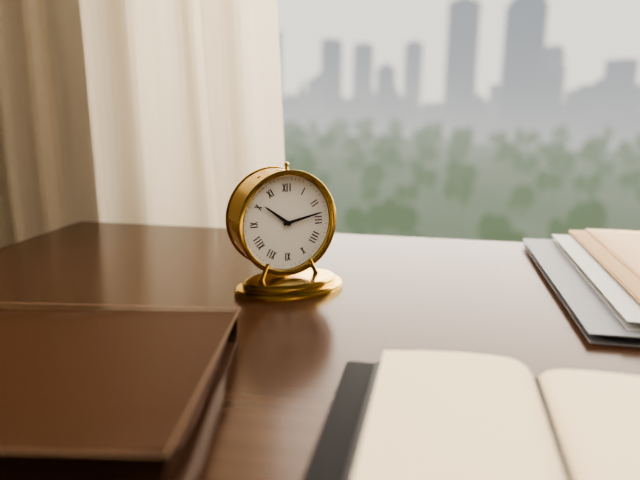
10:13
